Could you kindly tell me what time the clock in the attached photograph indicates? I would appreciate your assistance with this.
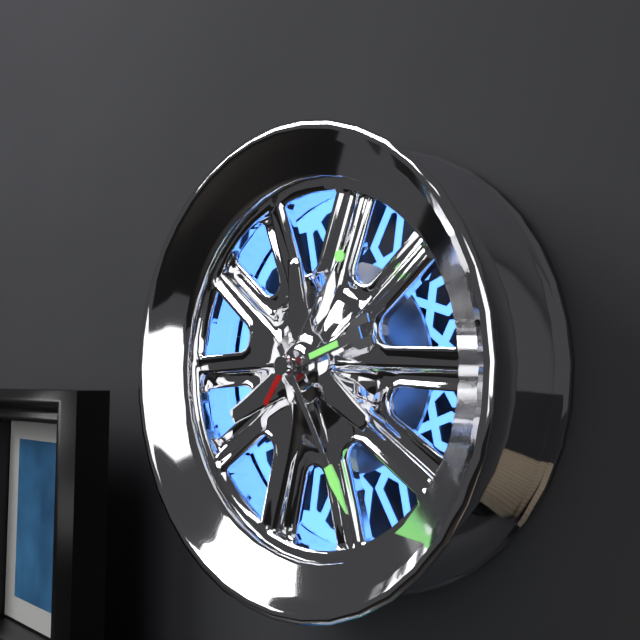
2:25:06
